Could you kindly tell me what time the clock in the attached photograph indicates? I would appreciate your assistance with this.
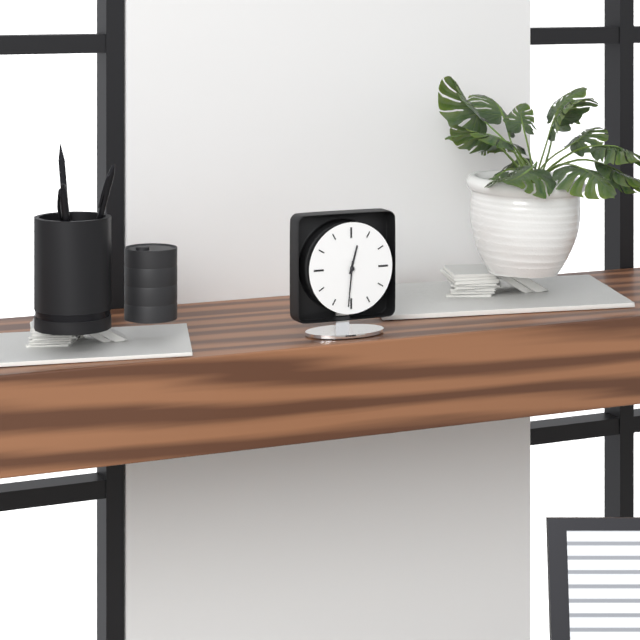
12:31
